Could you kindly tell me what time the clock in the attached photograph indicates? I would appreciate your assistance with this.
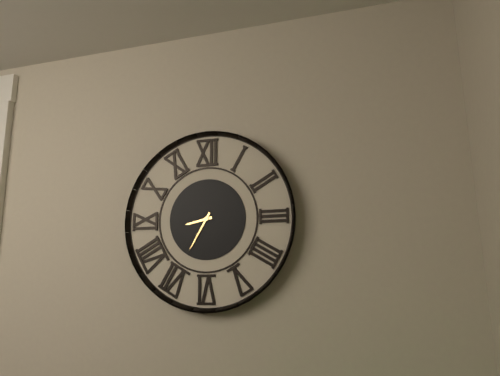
8:35
